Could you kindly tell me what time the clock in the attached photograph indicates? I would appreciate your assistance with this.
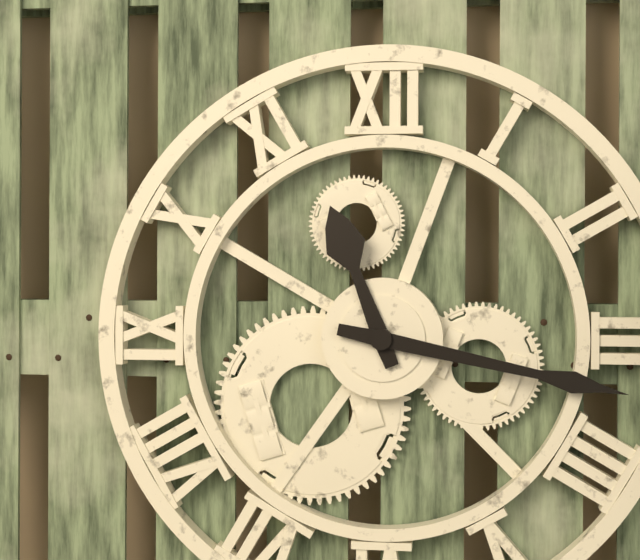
11:17
